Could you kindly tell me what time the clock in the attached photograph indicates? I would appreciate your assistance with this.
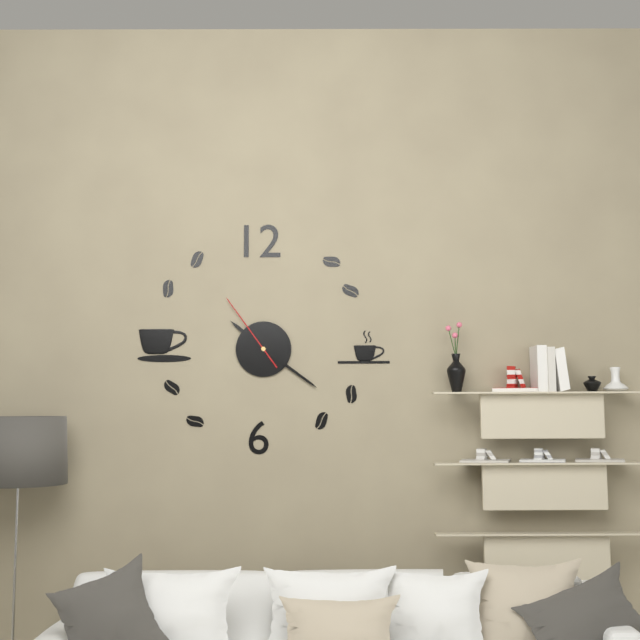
10:21:54
